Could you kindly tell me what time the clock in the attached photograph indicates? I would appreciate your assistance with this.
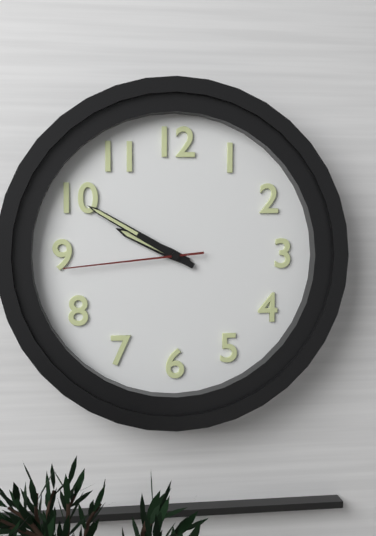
9:50:44
